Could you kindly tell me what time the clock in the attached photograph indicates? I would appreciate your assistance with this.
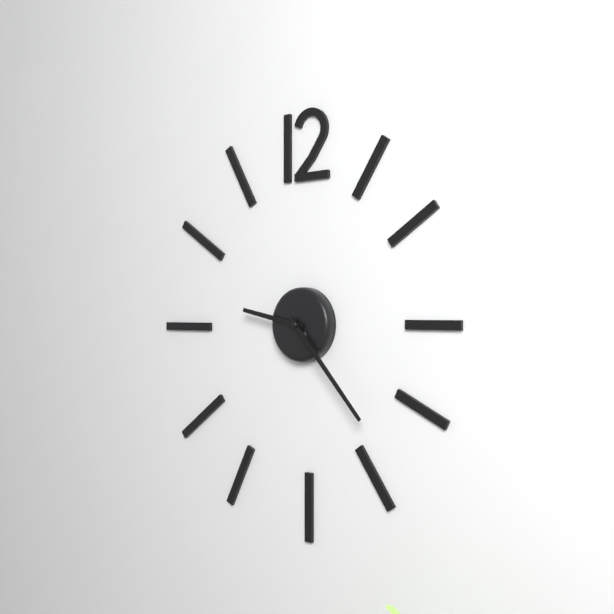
9:23
